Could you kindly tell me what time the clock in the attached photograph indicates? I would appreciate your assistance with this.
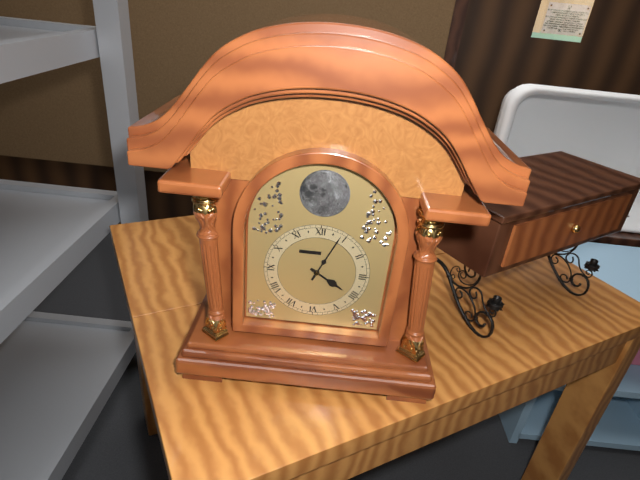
4:04
